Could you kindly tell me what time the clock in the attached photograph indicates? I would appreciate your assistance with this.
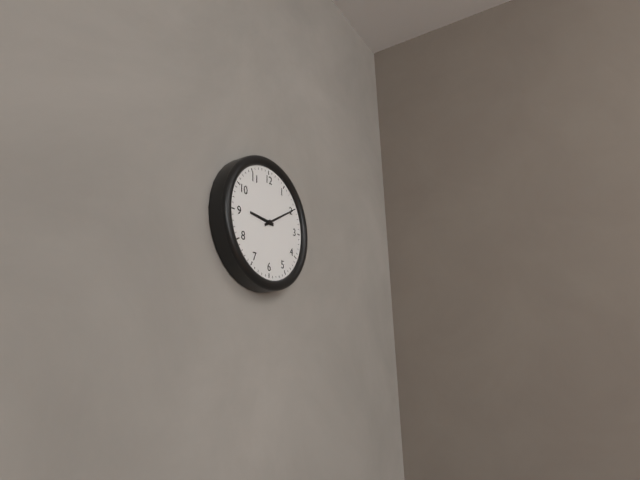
9:10
